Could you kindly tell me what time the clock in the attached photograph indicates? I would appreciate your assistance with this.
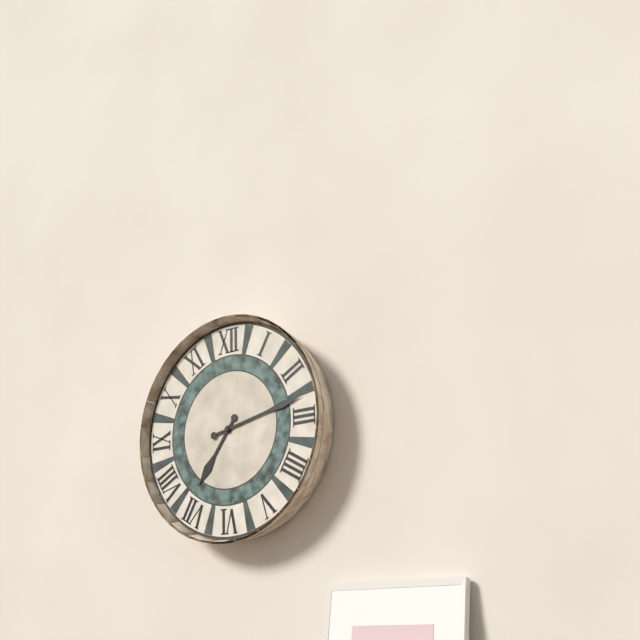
7:13
